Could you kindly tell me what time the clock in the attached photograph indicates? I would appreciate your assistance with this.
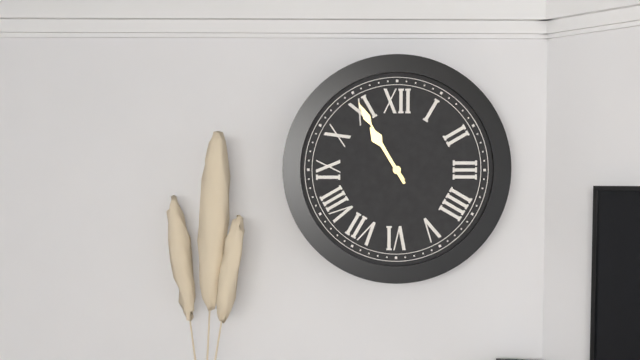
10:55
